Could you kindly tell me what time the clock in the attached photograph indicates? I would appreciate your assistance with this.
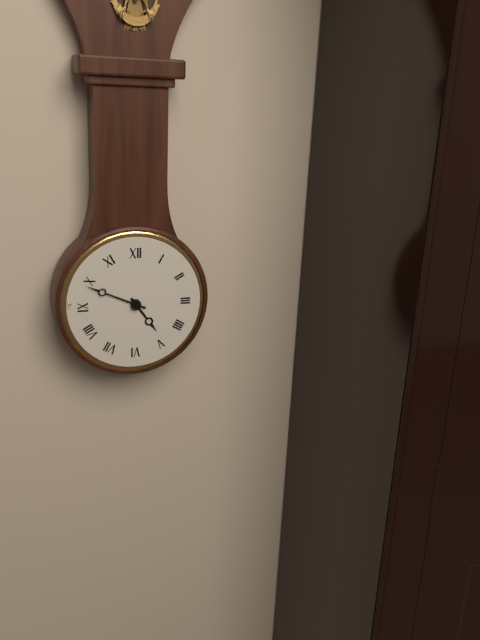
4:49
